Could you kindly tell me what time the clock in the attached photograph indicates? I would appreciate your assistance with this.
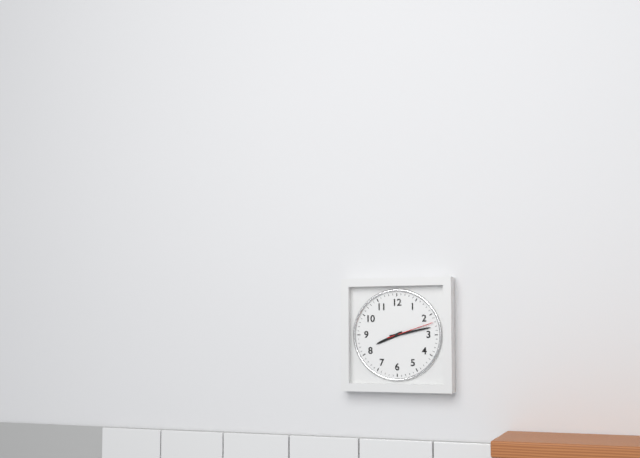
8:13
